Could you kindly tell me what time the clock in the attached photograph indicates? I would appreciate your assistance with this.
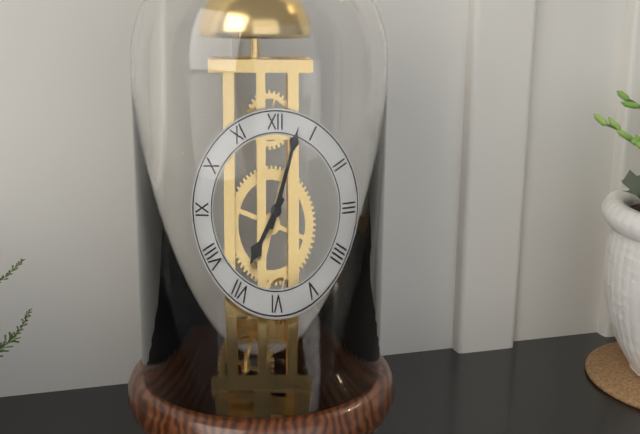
7:03
